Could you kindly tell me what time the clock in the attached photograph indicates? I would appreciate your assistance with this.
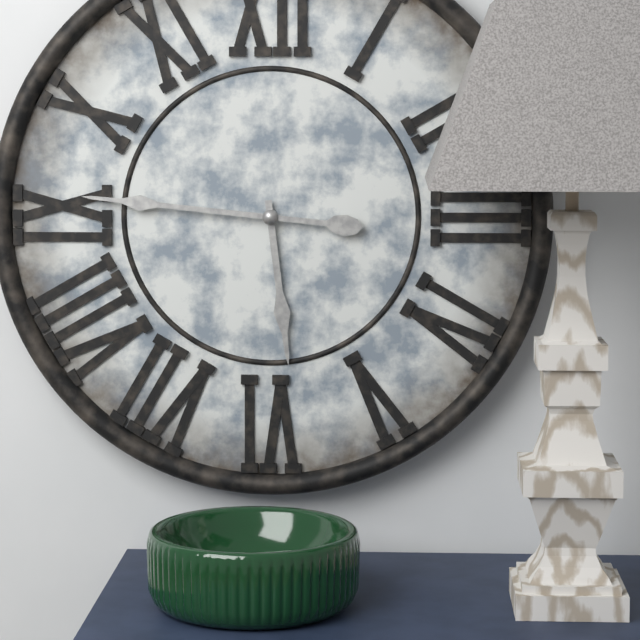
5:46
